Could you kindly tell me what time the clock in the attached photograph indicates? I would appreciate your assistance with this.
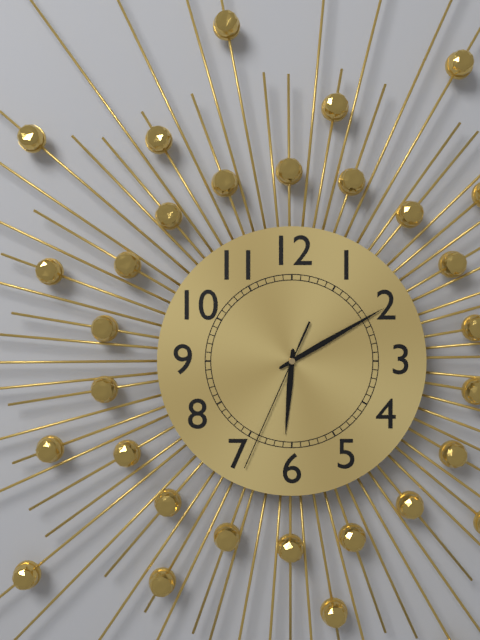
6:10:34
